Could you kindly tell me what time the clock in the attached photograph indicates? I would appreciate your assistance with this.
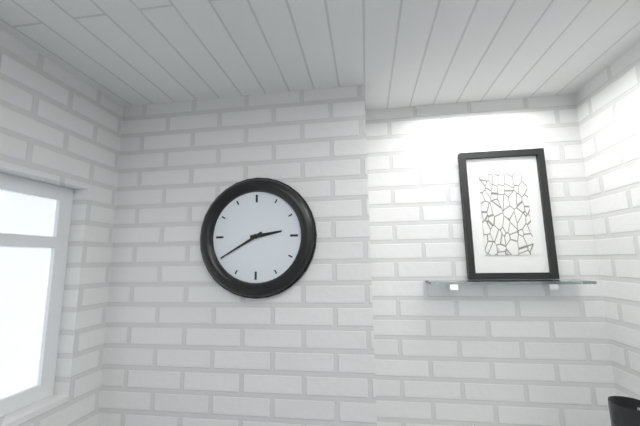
2:40
